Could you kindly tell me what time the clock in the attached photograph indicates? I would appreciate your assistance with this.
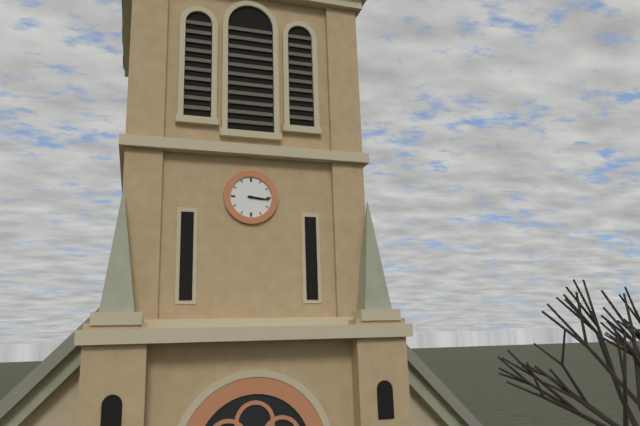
3:16
